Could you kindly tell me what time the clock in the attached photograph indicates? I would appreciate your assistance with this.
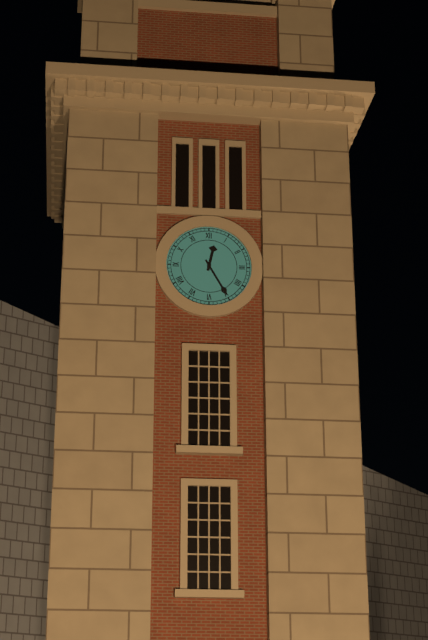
12:25
